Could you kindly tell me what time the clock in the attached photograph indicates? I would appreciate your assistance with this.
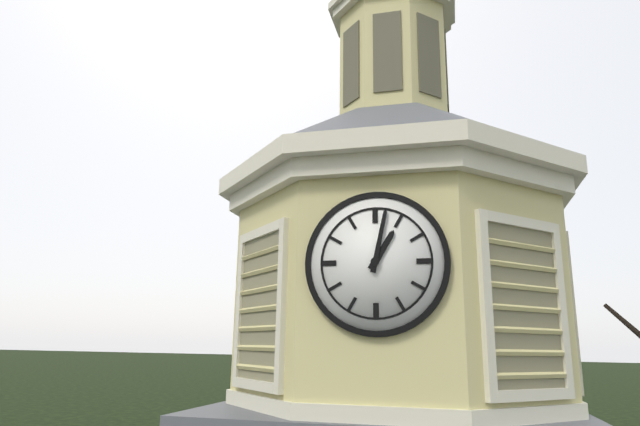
1:02
